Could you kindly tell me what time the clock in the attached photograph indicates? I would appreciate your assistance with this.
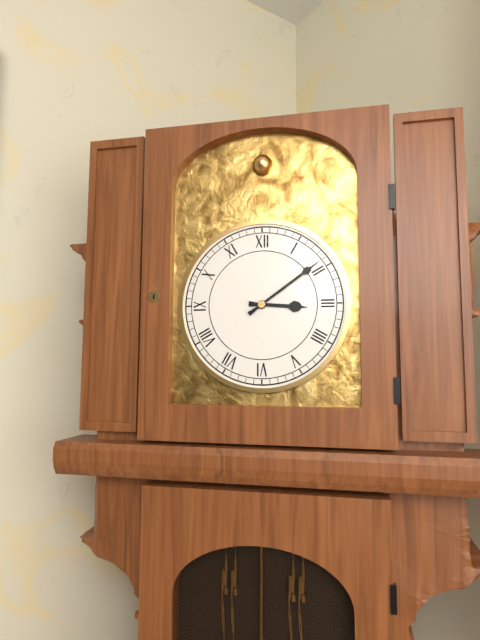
3:09
